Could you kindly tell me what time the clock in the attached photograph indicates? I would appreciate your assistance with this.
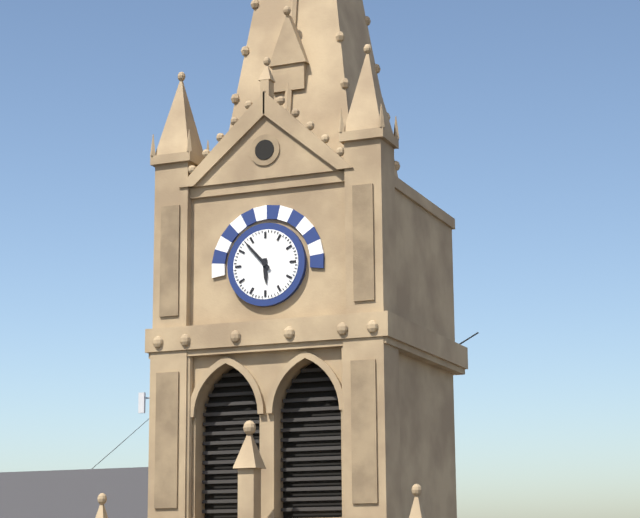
5:53
